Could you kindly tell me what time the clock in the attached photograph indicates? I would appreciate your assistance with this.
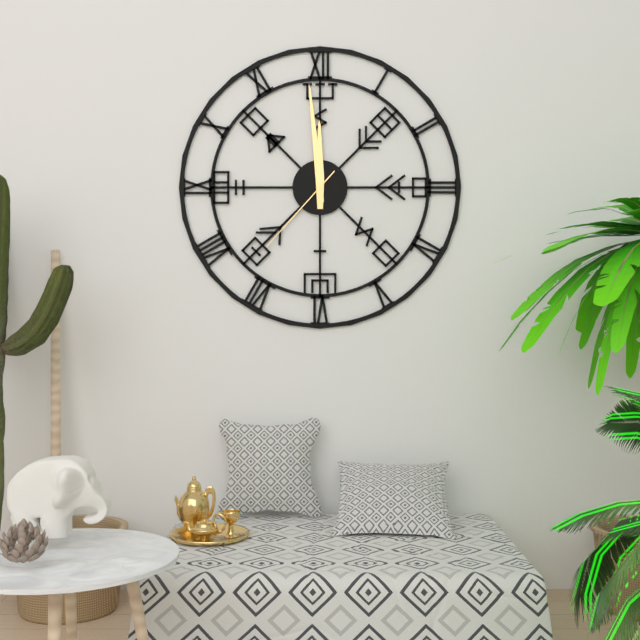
11:59:37
